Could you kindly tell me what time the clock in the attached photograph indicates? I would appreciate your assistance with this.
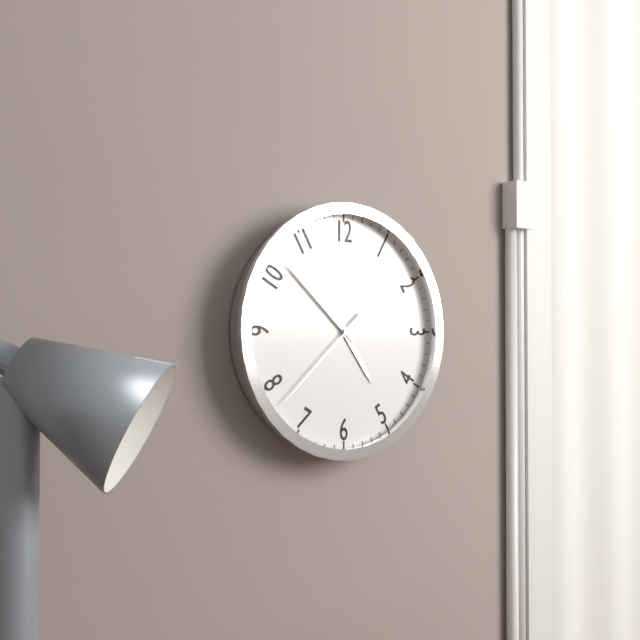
4:52:38
